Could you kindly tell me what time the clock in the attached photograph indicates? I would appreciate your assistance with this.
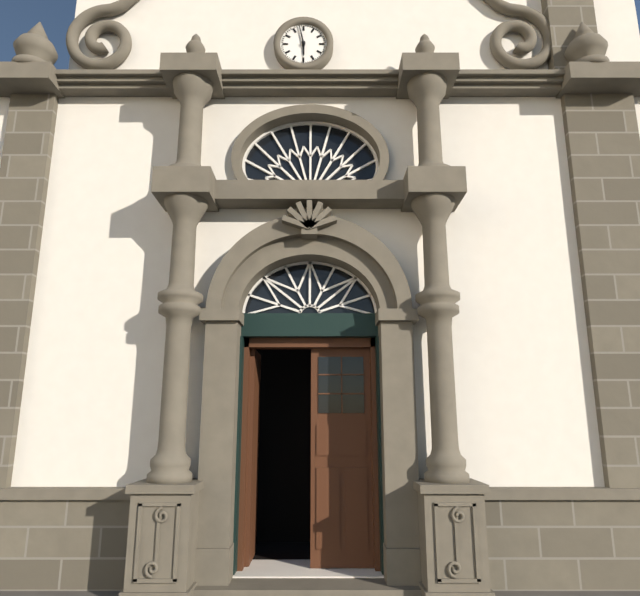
5:58
